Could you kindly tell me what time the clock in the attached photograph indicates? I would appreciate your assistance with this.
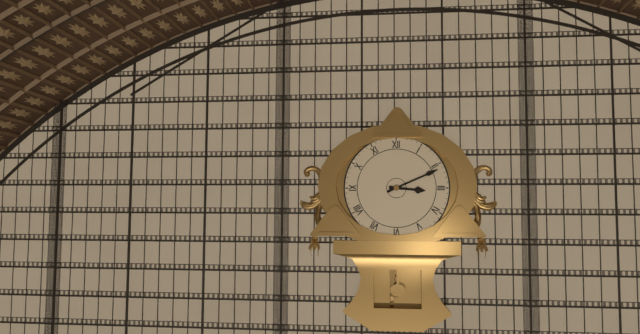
3:11
